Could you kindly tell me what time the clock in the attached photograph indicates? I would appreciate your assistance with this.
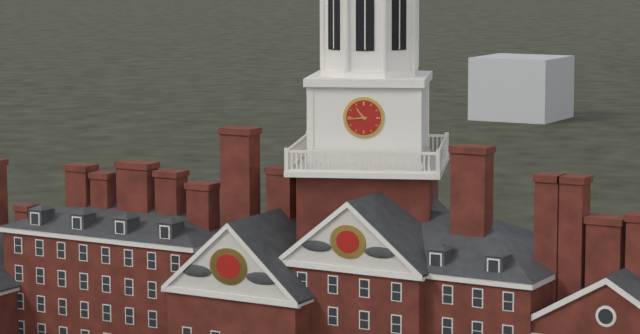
10:44
